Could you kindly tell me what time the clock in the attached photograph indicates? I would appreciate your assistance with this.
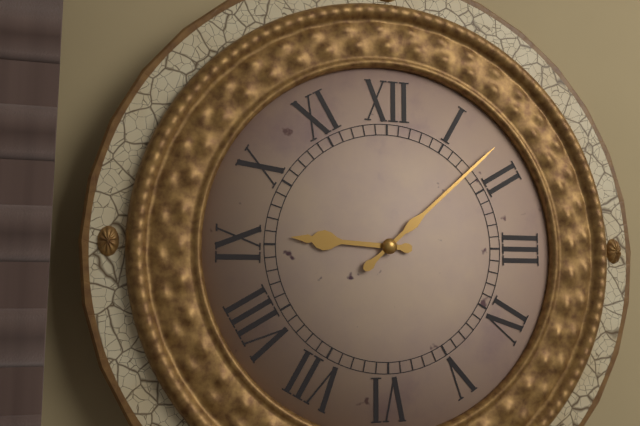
9:08
